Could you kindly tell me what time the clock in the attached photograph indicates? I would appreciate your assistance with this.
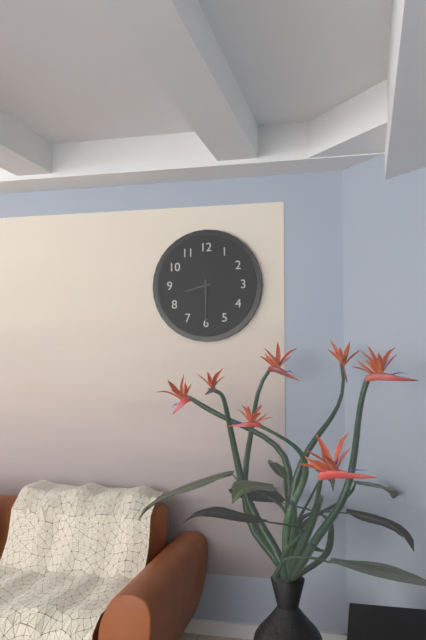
8:30
